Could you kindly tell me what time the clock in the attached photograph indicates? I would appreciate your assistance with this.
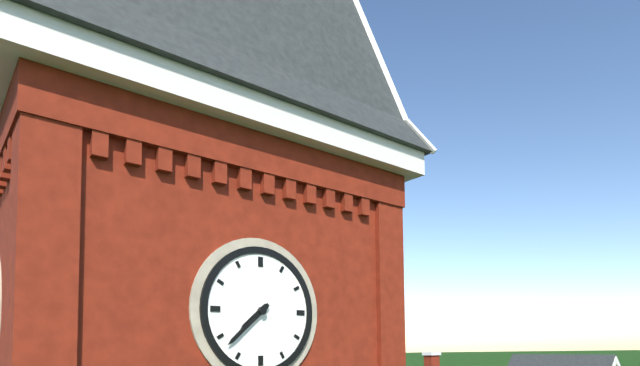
7:38
